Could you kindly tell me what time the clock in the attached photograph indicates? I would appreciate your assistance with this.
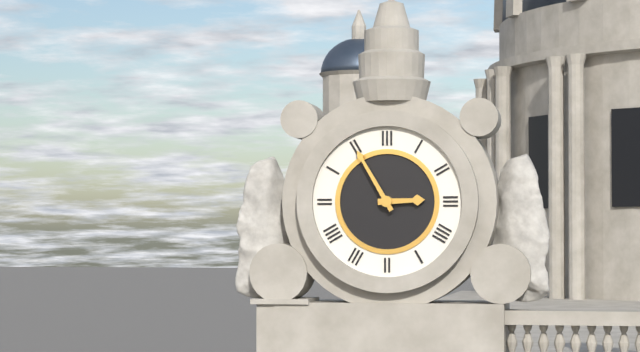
2:55
